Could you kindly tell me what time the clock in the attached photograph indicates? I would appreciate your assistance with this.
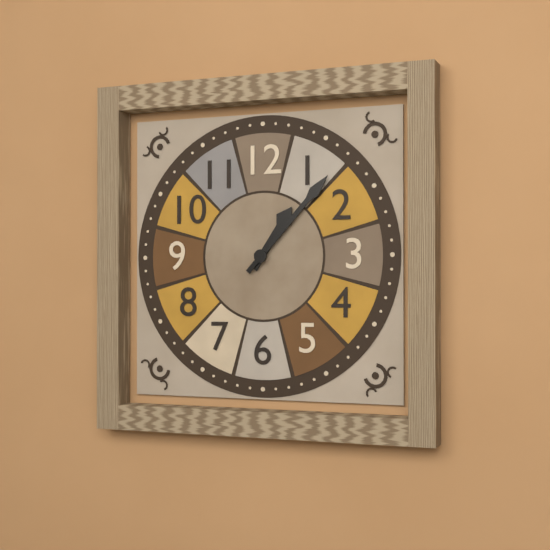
1:07
